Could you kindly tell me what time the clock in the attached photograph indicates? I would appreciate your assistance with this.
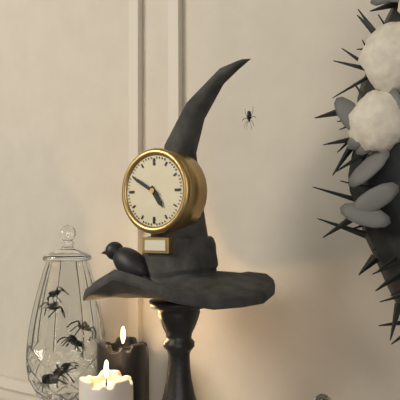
4:50
